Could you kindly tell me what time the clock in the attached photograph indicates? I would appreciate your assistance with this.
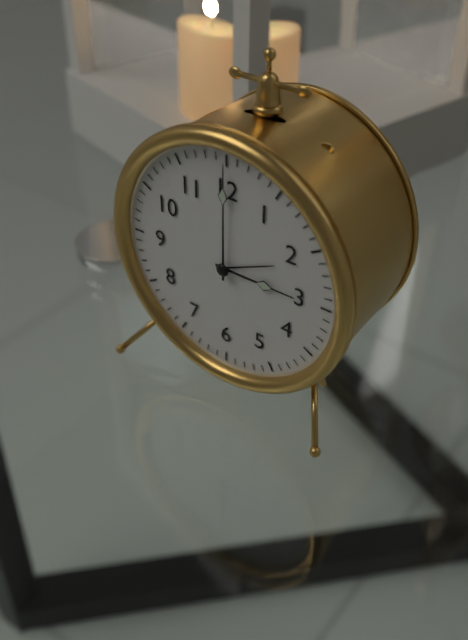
3:00
